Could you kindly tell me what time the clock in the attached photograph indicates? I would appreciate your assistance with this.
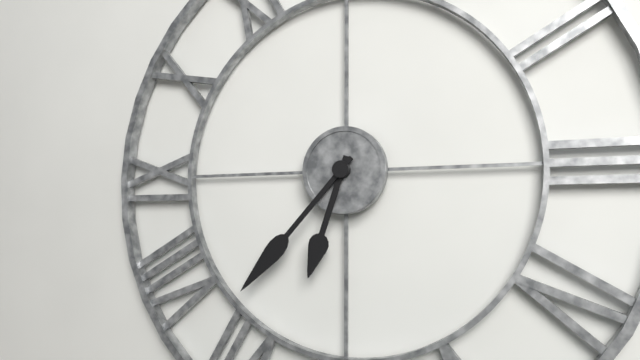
6:37
